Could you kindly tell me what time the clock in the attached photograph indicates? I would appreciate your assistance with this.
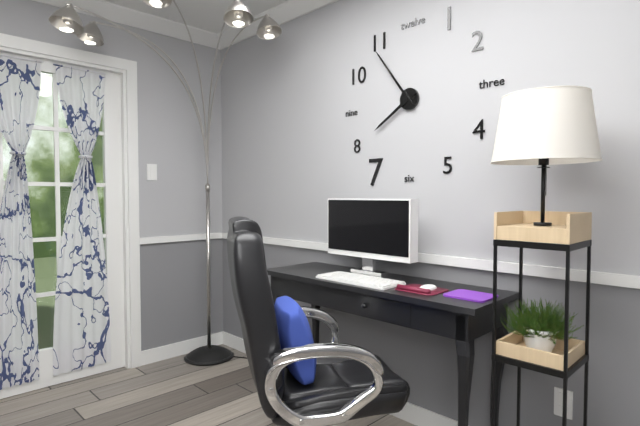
7:54
